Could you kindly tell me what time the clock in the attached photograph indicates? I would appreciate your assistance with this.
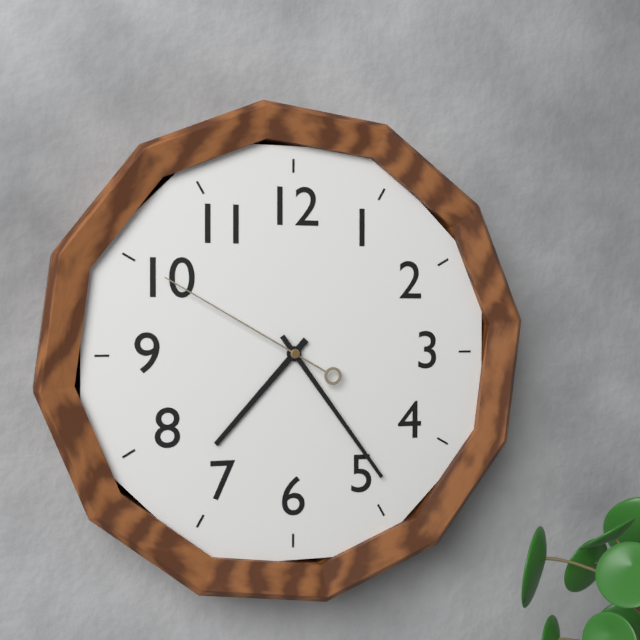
7:24:50
